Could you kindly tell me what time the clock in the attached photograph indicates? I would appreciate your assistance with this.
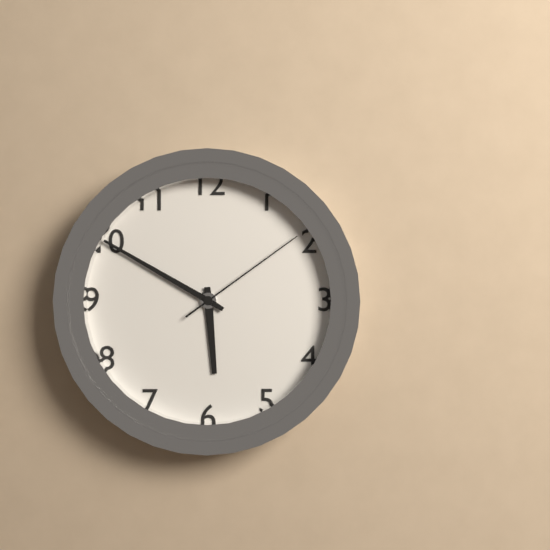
5:50:09
